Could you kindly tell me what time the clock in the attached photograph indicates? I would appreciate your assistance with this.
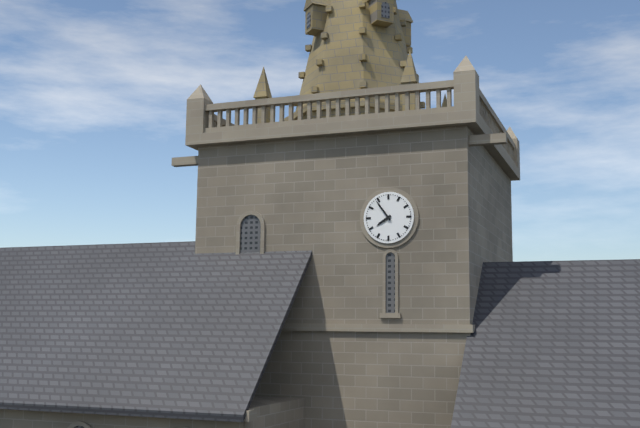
7:54
